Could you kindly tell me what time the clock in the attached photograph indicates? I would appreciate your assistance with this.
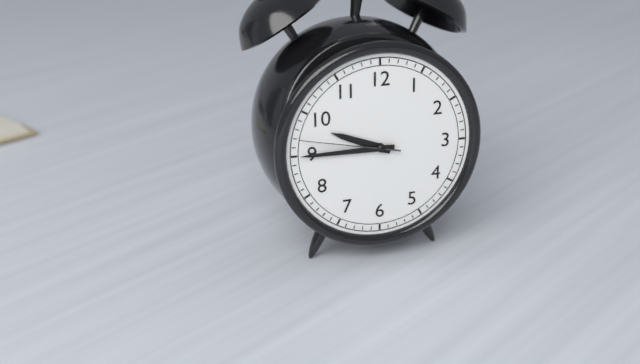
9:45:47
